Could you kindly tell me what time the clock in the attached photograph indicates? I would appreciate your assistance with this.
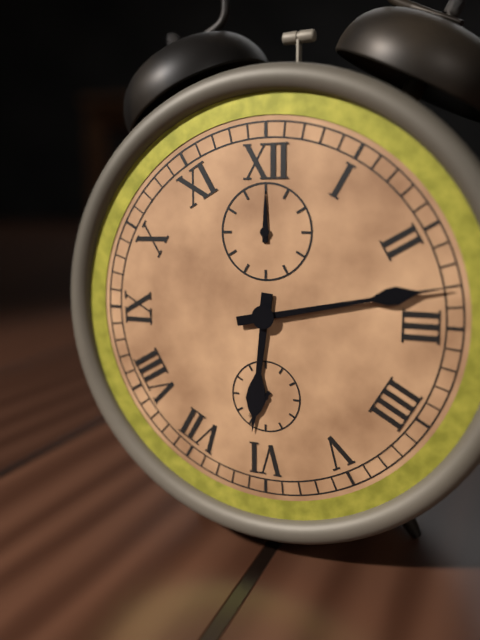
6:13
